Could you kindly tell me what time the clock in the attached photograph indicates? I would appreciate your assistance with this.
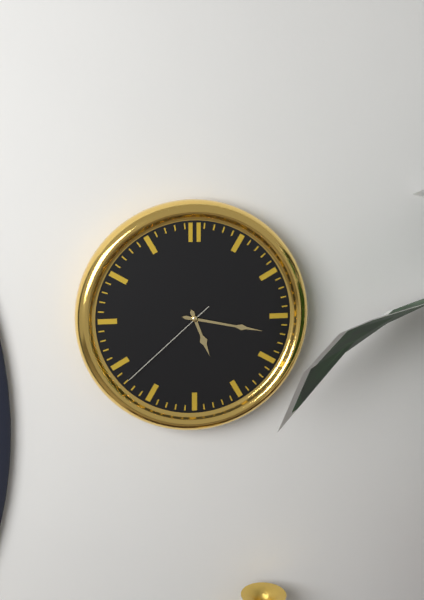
5:17:38
